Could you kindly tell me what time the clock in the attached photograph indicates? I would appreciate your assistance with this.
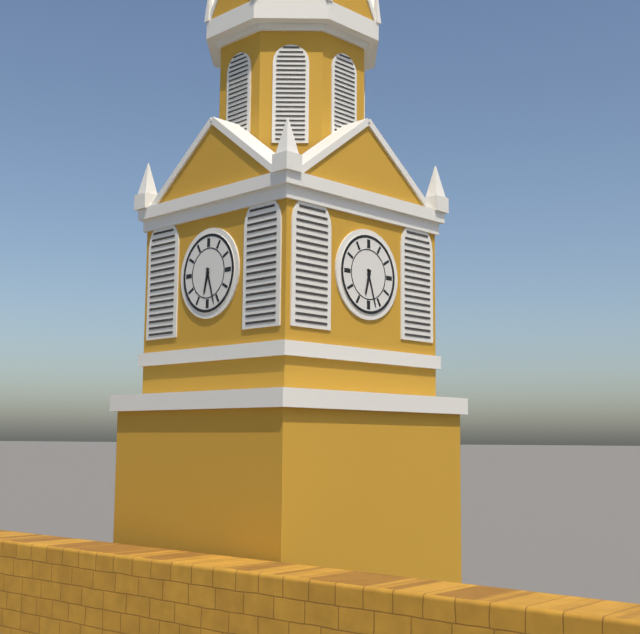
6:27
